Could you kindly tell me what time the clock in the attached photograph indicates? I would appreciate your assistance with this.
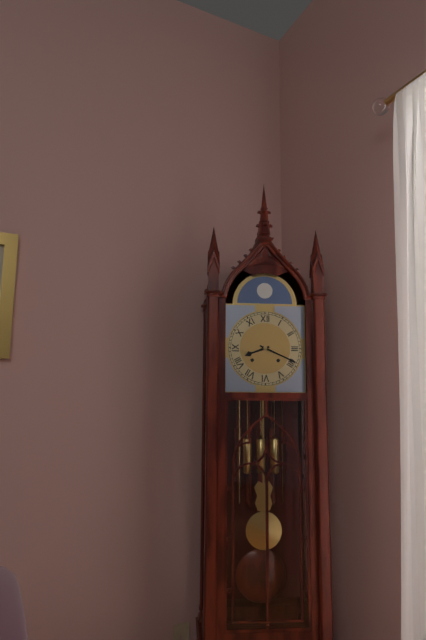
8:19
